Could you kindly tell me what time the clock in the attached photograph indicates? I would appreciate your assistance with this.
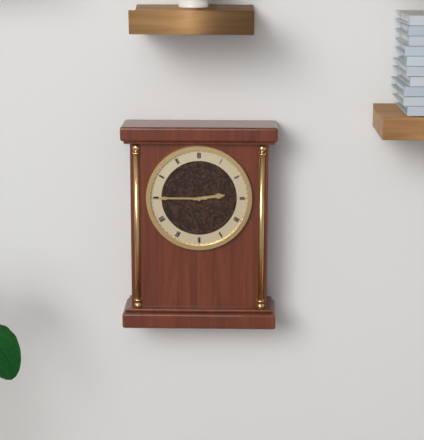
2:45
